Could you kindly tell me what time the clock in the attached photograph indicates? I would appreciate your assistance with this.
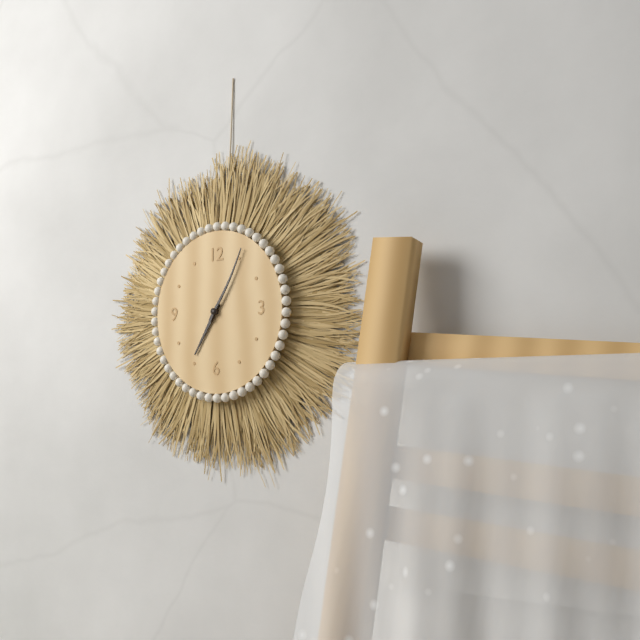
7:05
